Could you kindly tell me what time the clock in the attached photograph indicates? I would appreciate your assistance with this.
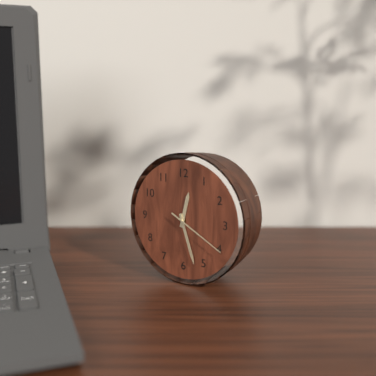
12:27:20
